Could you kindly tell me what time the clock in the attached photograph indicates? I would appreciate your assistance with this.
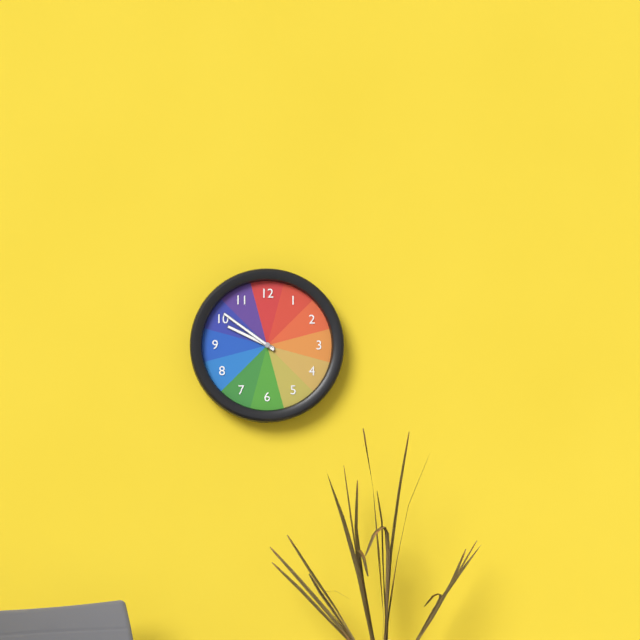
9:51
